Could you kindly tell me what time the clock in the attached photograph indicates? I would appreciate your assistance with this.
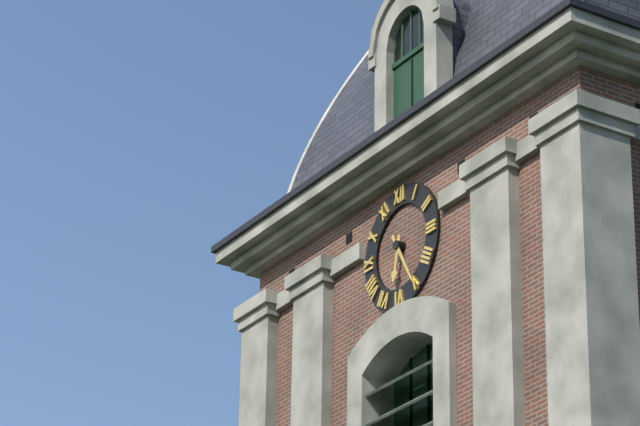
6:25
